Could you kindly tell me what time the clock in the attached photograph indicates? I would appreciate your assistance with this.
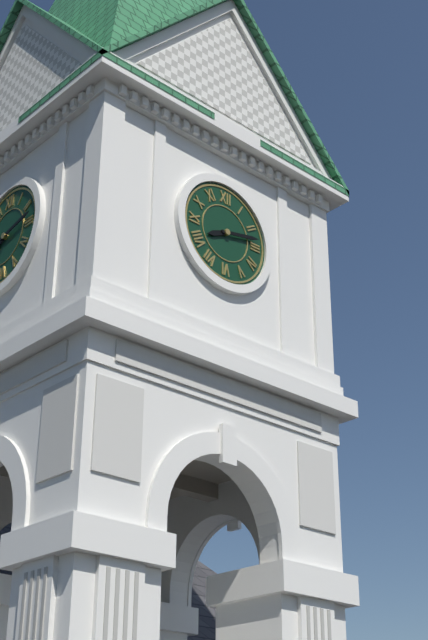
8:13
